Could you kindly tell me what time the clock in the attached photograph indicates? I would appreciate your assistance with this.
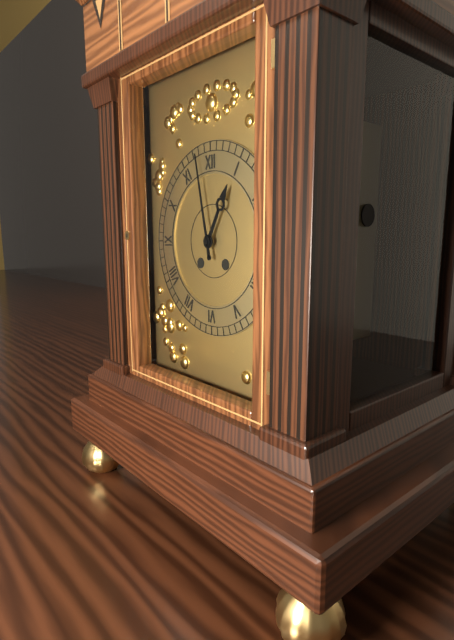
12:58
